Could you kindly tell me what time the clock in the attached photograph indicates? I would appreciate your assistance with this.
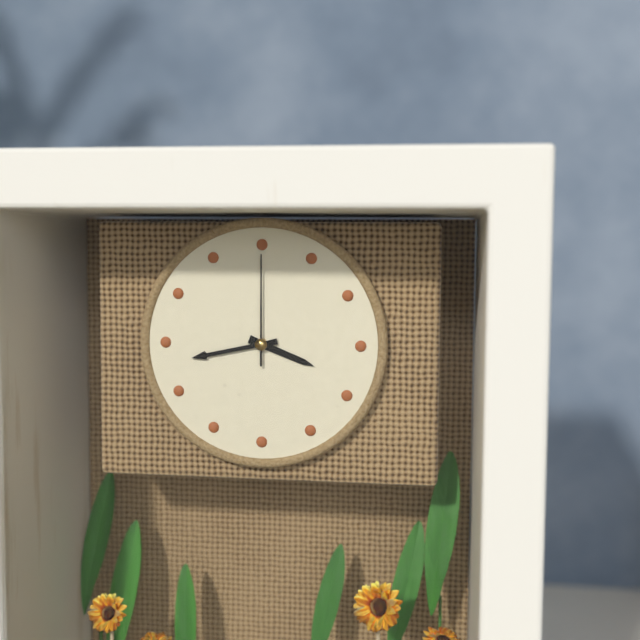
3:43:00
